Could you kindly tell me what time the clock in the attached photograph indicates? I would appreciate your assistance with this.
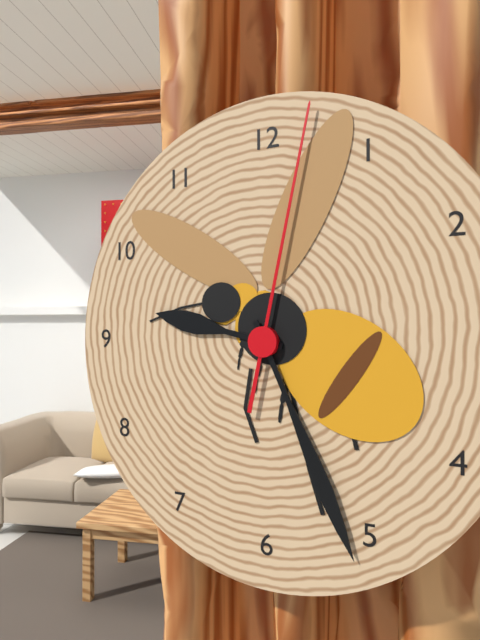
9:26:02
